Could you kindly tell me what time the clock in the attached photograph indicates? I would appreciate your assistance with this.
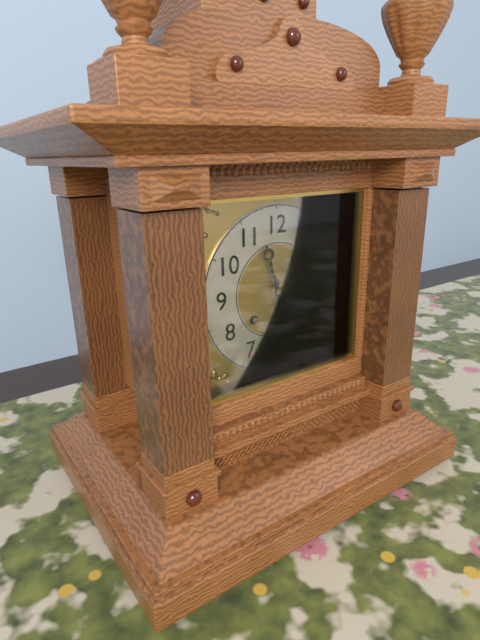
11:27
